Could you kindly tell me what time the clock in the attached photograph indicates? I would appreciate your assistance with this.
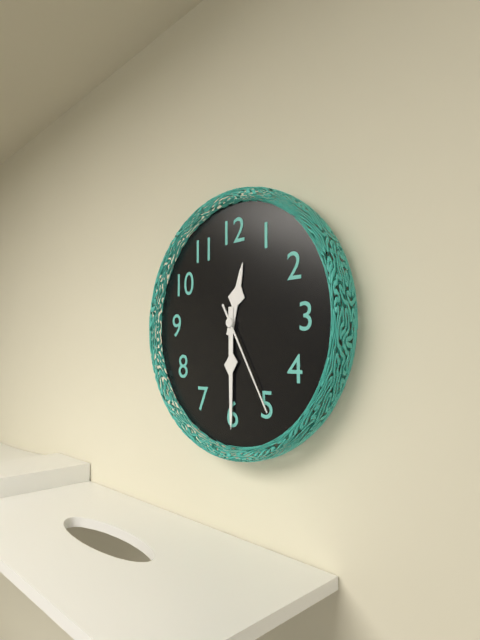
12:30:25
